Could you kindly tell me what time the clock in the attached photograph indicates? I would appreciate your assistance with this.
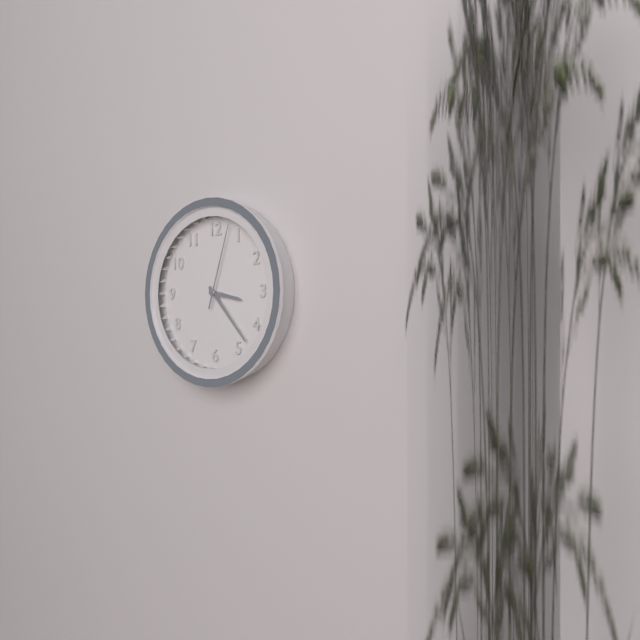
3:23:03
